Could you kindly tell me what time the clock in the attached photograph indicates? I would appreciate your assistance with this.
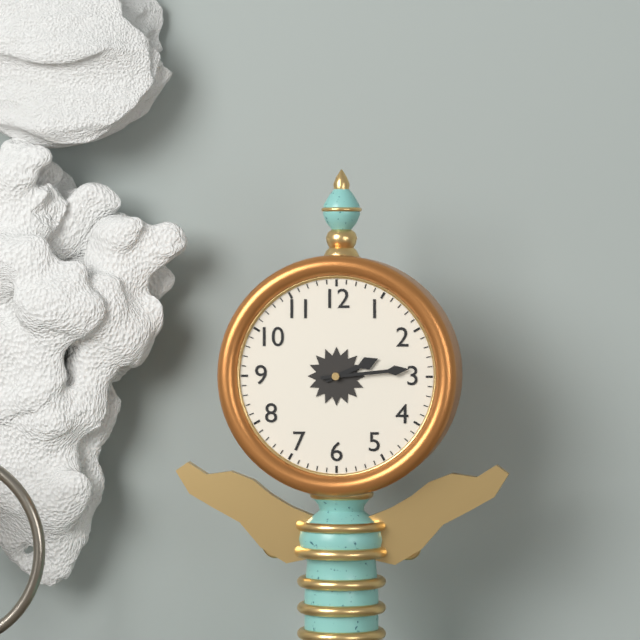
2:14
